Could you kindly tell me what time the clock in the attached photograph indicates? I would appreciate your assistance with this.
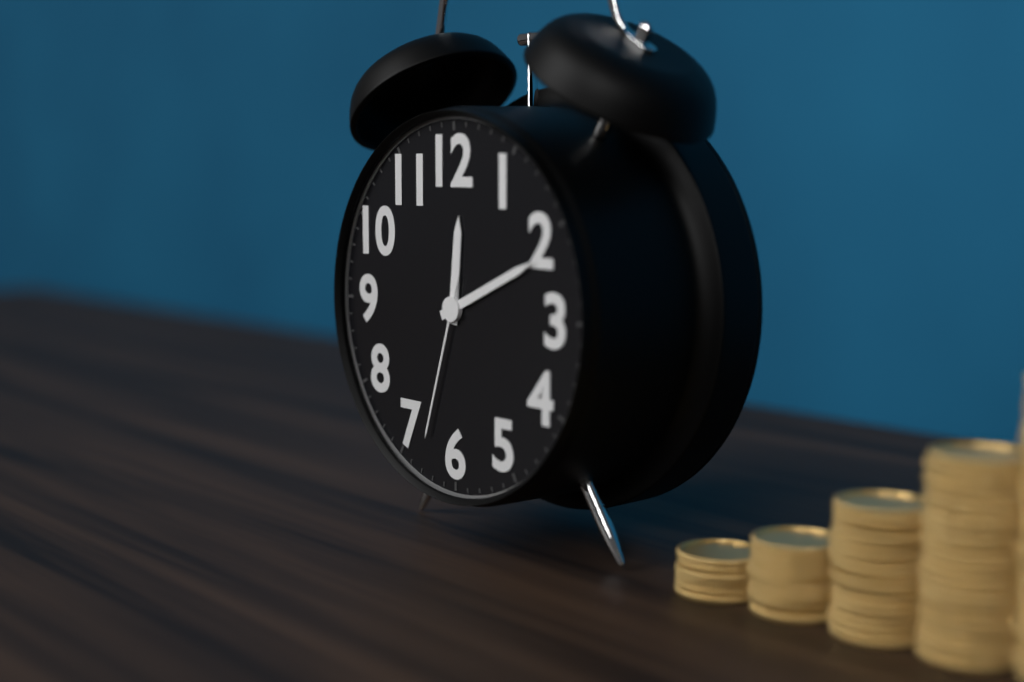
12:11:33
